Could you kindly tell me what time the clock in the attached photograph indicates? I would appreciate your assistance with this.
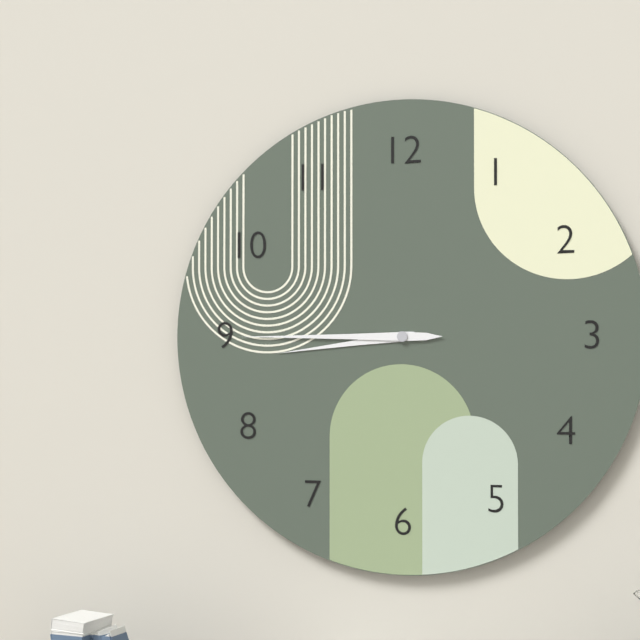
8:45
